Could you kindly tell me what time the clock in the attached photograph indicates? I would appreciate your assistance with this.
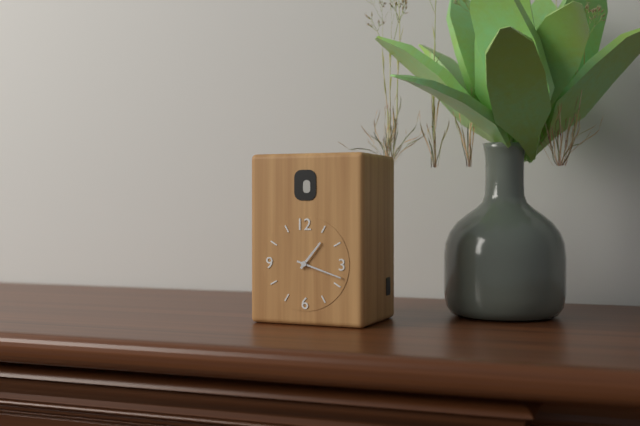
1:18
